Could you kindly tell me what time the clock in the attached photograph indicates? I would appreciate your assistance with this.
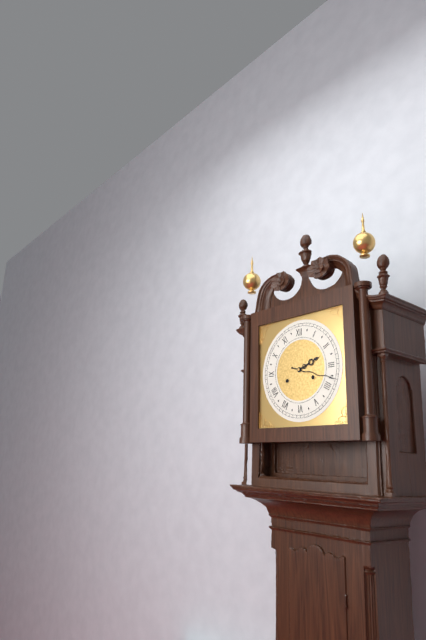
2:18
